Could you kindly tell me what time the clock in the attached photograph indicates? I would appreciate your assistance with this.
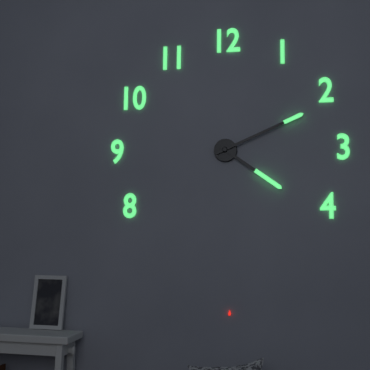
4:11
